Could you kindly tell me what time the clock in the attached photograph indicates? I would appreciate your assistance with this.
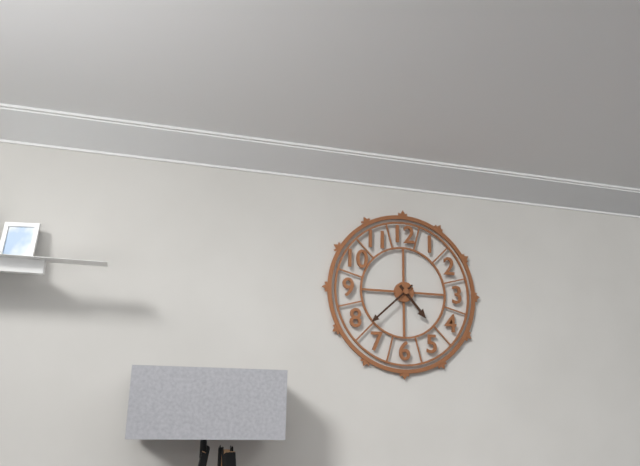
4:38
